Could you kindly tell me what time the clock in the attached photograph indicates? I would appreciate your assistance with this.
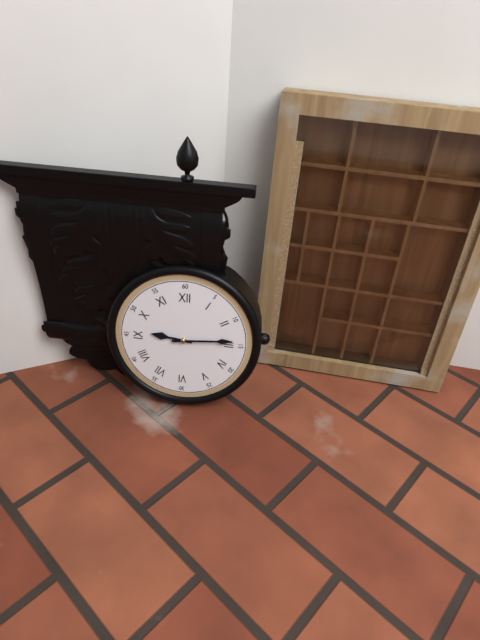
9:14
